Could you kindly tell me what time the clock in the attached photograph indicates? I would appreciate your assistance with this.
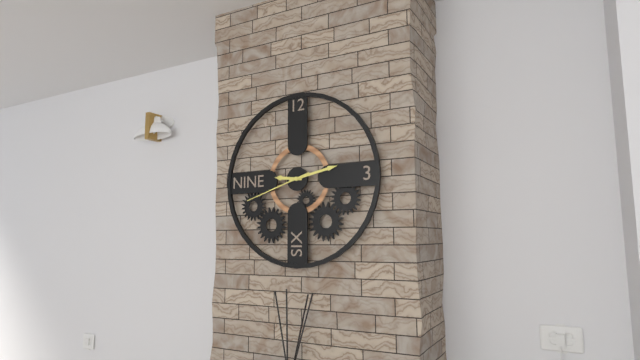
9:13:42
